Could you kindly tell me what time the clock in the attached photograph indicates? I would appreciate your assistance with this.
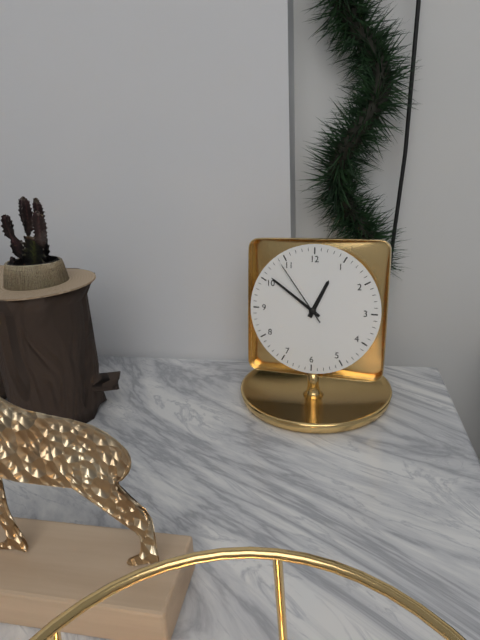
12:51:54
